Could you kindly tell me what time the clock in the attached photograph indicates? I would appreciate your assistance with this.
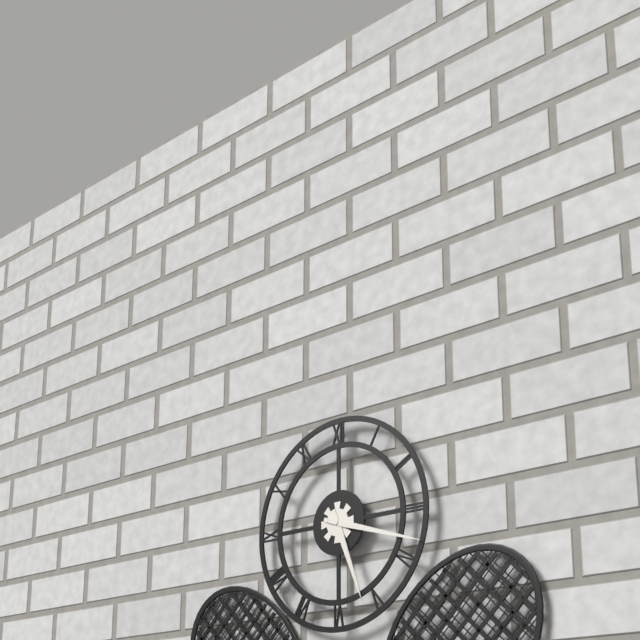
5:18
